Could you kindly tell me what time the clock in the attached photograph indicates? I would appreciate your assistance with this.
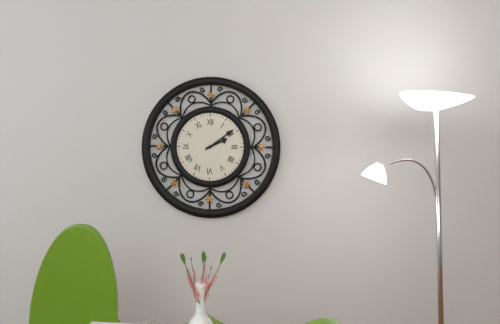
2:09
